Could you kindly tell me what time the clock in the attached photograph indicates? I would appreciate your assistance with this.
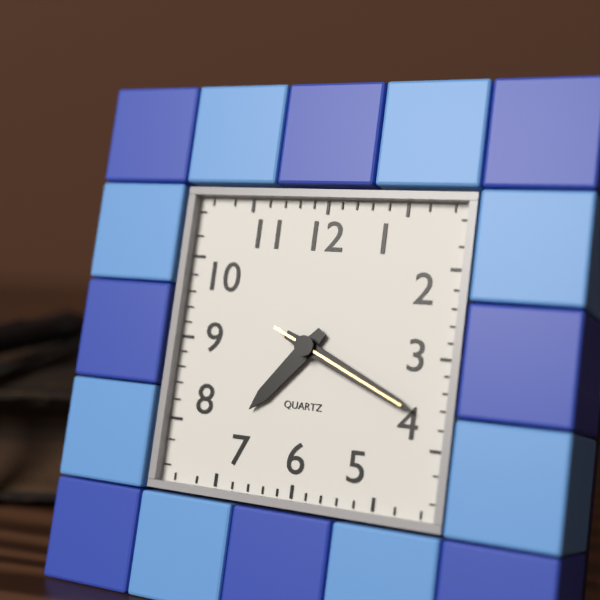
7:19:19
